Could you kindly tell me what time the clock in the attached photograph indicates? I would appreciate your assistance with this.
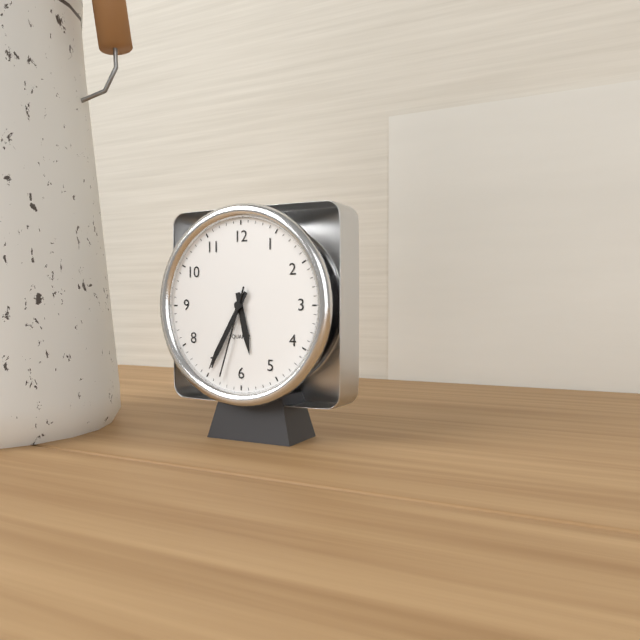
5:35:33
